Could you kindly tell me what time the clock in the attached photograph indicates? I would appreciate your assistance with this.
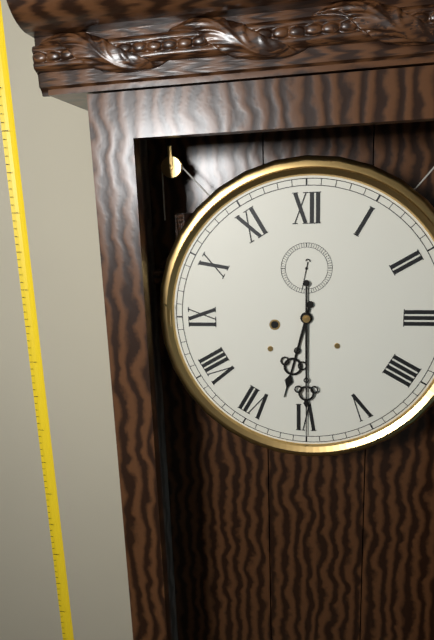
6:30
